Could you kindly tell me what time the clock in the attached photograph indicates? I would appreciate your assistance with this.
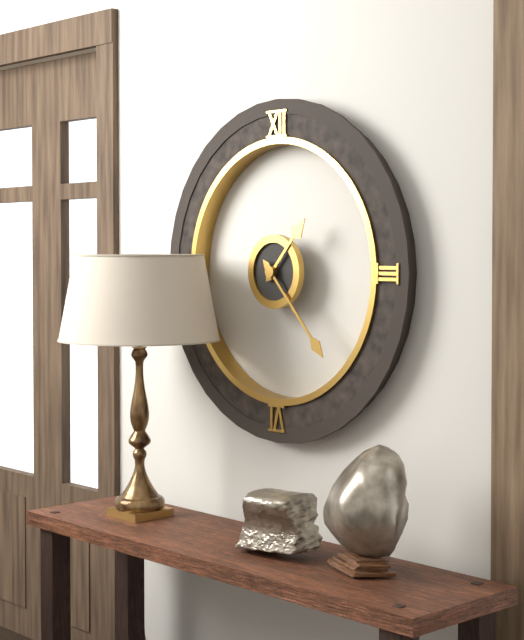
1:23
